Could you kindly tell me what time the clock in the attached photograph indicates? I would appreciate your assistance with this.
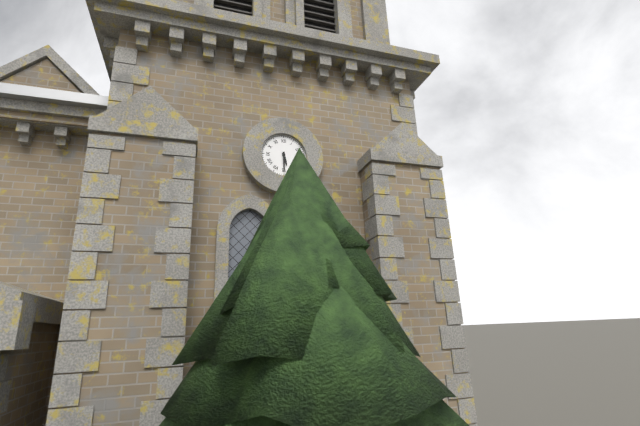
5:30
